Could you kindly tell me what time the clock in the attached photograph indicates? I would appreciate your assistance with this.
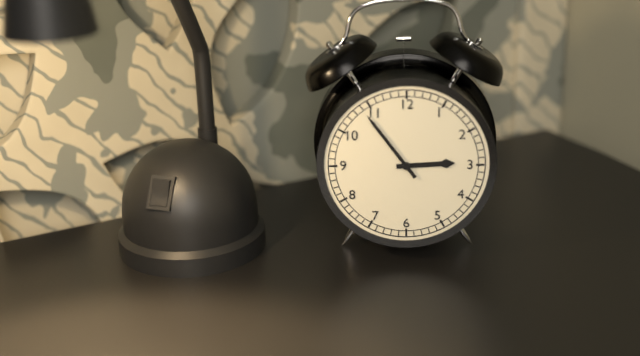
2:54
